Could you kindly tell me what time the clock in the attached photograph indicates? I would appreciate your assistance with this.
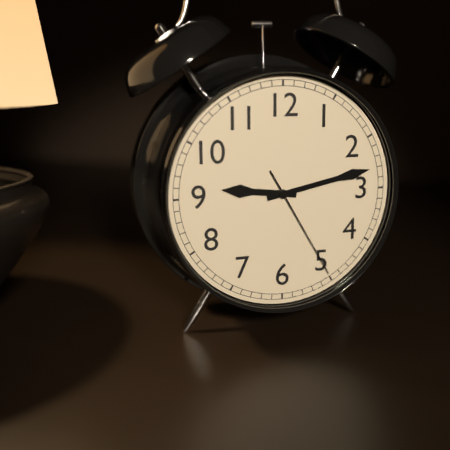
9:13:25
